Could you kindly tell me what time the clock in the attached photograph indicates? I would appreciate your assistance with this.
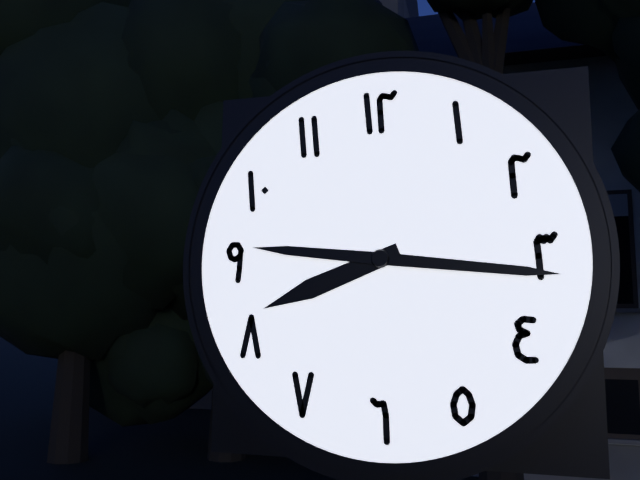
8:16
